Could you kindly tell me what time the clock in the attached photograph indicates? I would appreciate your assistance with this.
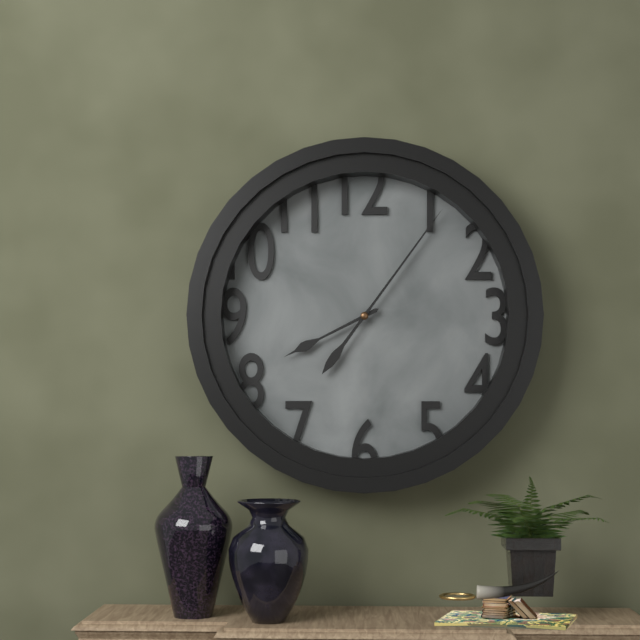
8:06
